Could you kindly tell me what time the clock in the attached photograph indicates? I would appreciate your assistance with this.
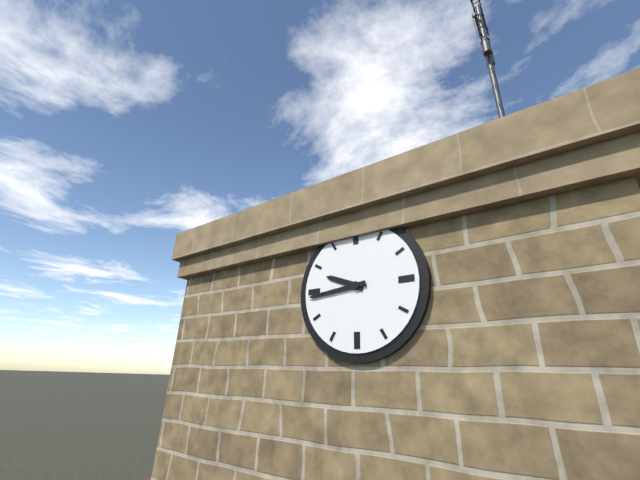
9:44
